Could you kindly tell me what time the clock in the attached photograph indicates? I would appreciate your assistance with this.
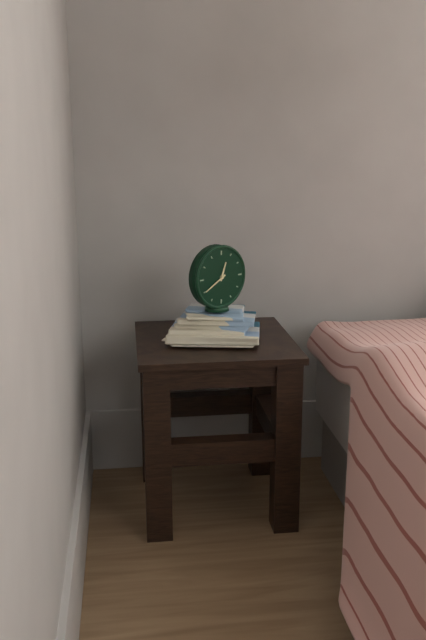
12:40
